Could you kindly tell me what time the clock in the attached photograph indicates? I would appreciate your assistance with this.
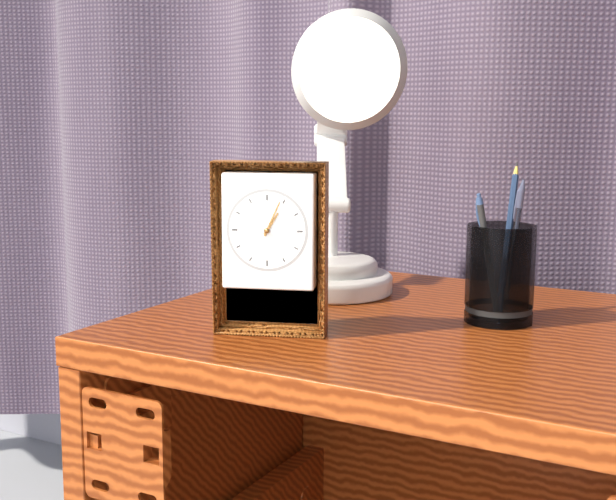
1:04
